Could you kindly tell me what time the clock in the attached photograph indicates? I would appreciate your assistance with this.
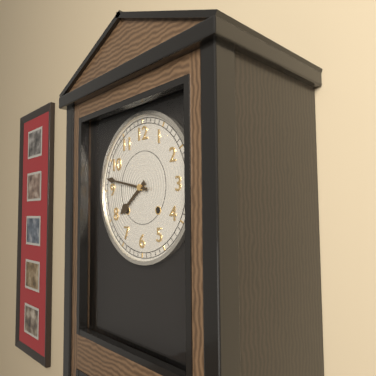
7:47
